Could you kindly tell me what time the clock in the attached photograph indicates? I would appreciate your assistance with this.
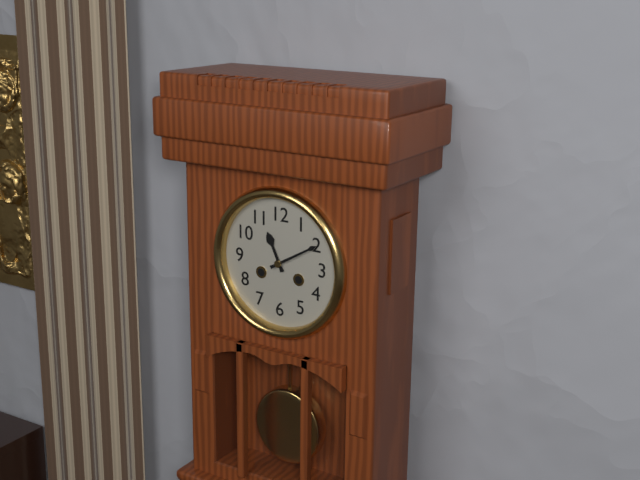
11:10
